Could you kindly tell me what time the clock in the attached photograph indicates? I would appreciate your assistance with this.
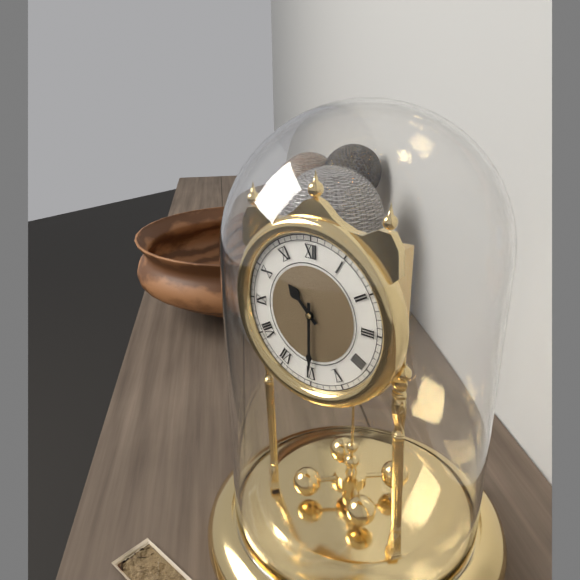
10:30
